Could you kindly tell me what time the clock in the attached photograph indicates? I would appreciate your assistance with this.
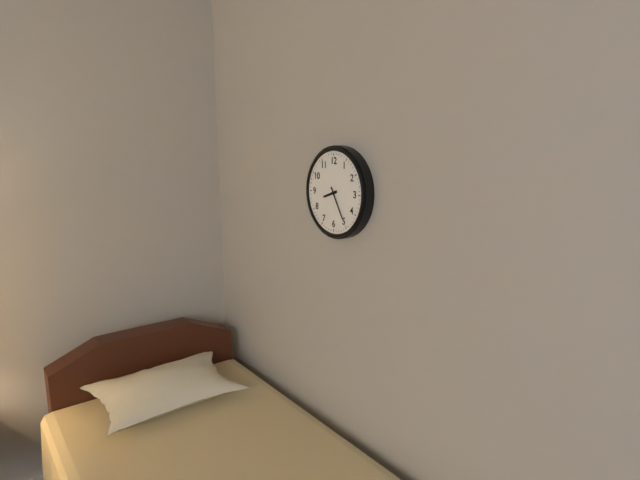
8:25
